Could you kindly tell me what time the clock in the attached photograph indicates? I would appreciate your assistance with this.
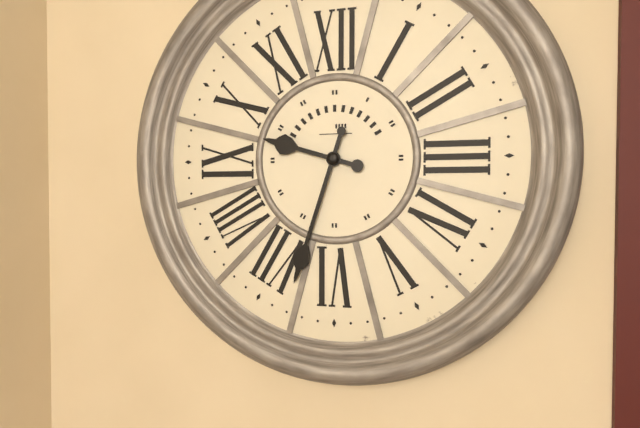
9:33
